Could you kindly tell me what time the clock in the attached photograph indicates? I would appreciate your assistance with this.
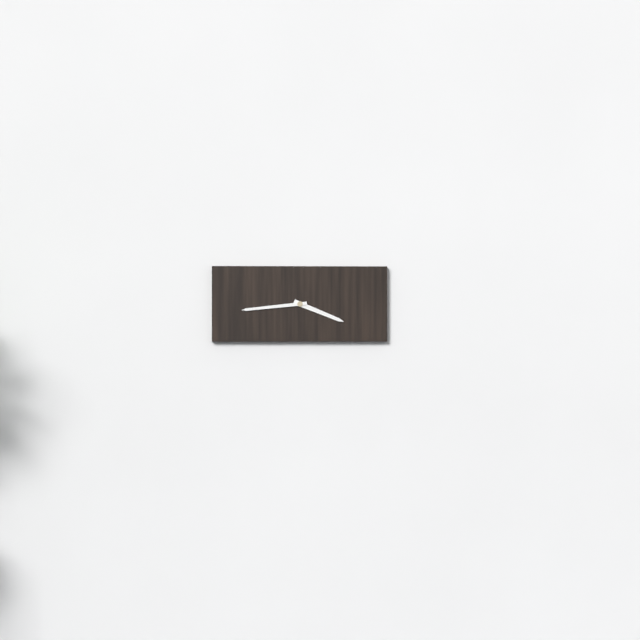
3:44
